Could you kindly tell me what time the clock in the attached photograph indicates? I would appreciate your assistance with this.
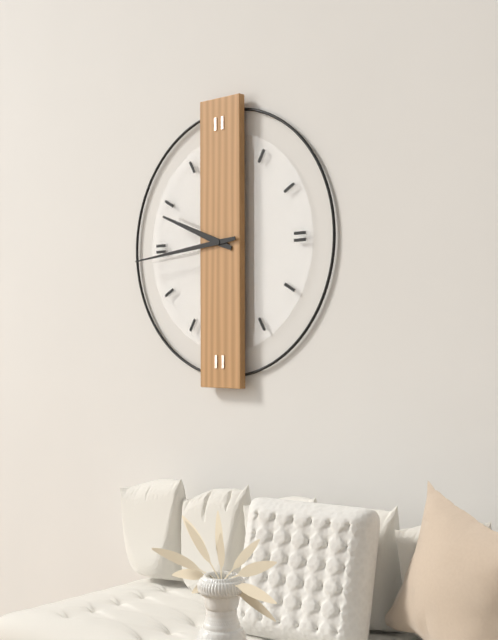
9:44
